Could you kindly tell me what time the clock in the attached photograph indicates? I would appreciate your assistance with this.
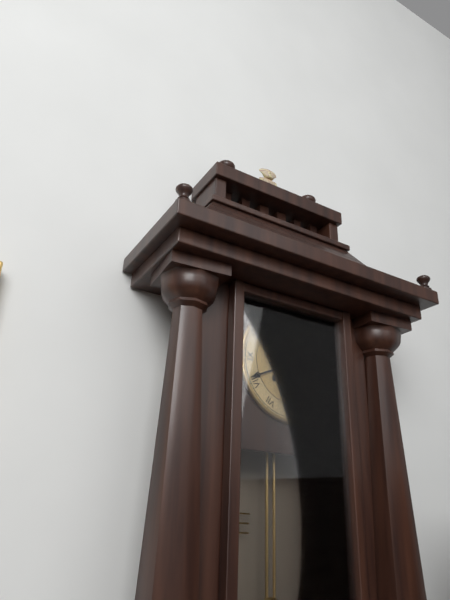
3:41
